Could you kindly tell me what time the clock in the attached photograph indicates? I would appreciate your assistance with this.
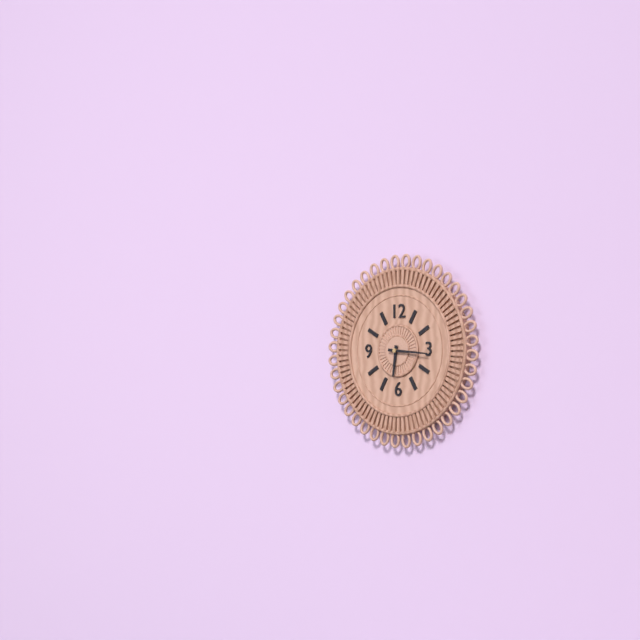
6:16
